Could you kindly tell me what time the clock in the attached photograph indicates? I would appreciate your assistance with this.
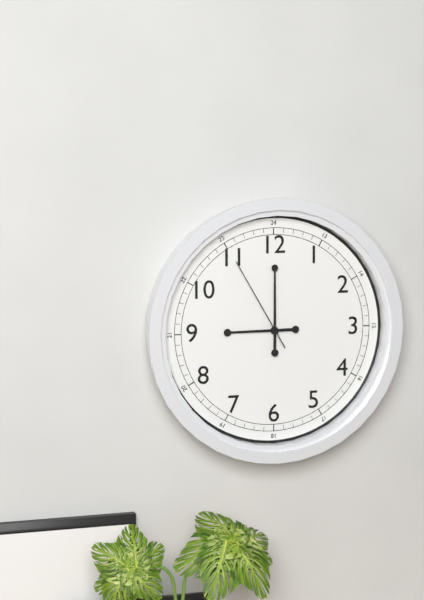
9:00:55
